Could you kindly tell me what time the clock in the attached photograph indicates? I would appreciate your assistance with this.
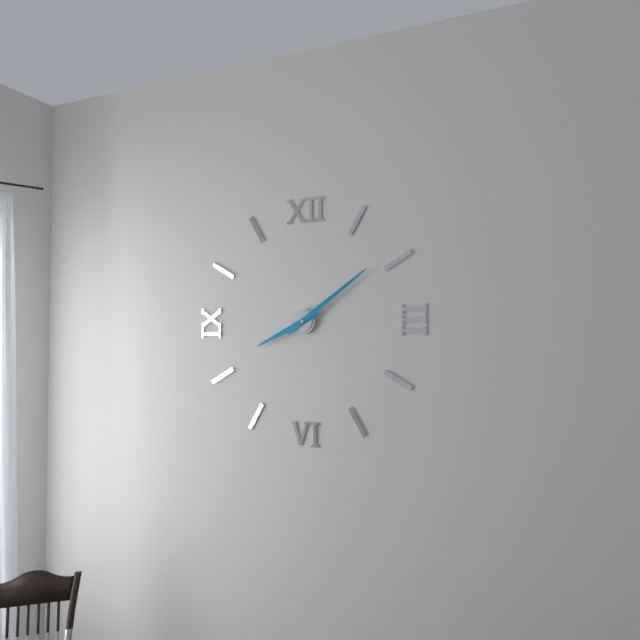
8:09
